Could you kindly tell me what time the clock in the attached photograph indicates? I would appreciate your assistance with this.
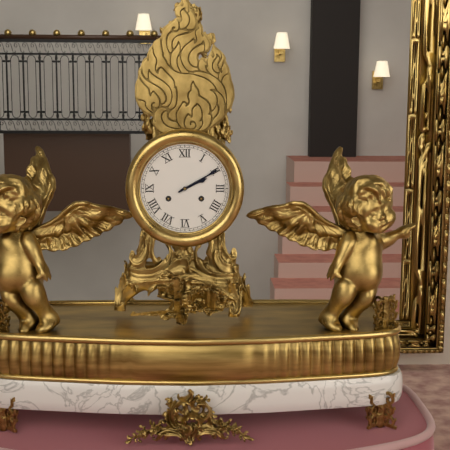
2:10
